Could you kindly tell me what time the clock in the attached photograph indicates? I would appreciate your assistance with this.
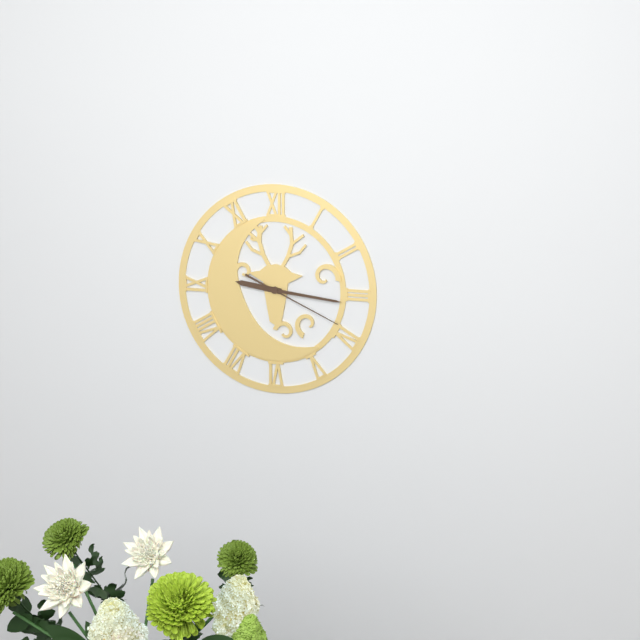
9:16:19
